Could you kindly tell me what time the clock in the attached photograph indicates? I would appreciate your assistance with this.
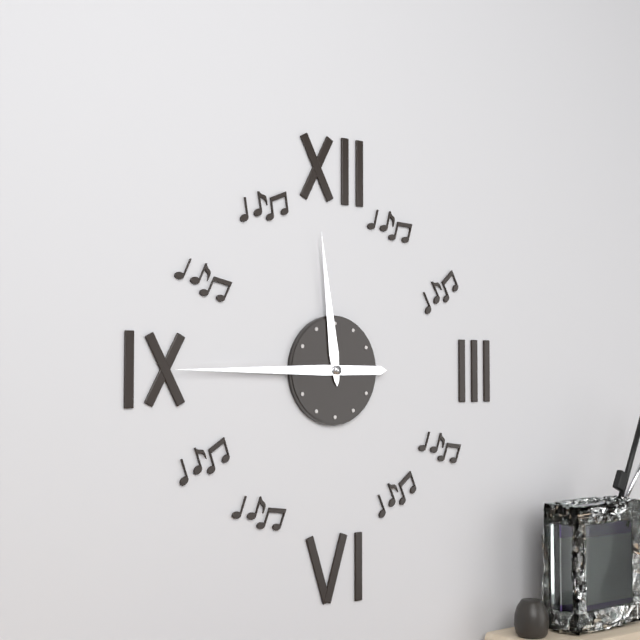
11:45
